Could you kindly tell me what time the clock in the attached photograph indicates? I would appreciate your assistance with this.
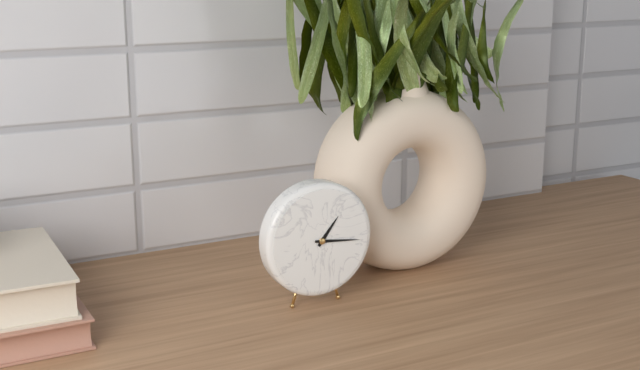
1:16
